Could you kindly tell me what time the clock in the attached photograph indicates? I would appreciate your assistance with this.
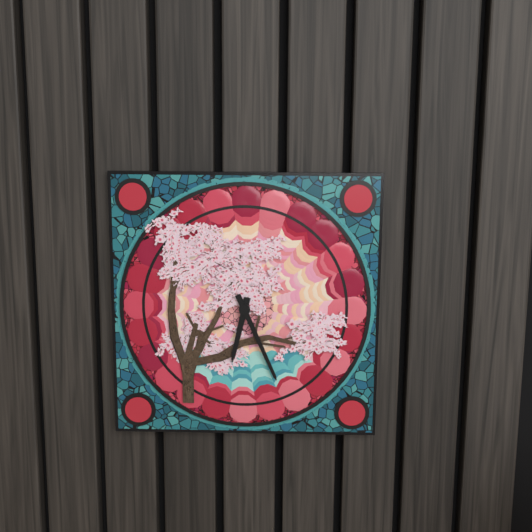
6:26
